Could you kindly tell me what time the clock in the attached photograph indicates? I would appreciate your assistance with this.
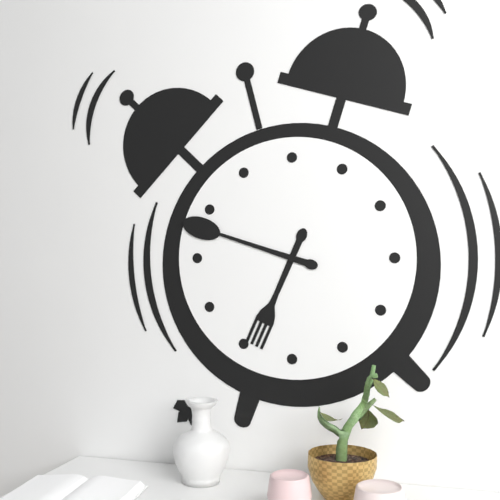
6:48
